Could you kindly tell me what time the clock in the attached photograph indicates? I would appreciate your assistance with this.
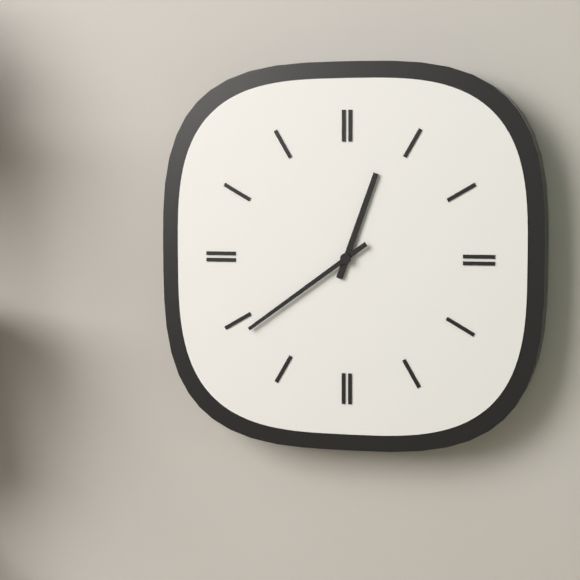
12:39
